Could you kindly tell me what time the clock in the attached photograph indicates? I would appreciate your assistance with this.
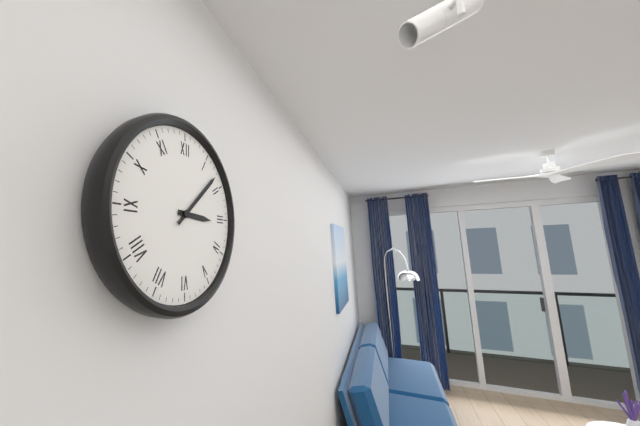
3:08
